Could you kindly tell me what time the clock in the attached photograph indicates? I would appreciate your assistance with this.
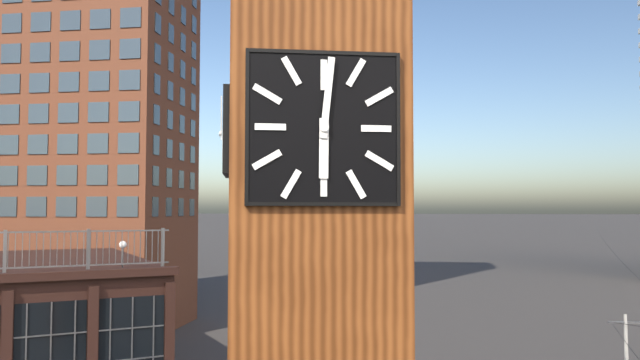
6:01
